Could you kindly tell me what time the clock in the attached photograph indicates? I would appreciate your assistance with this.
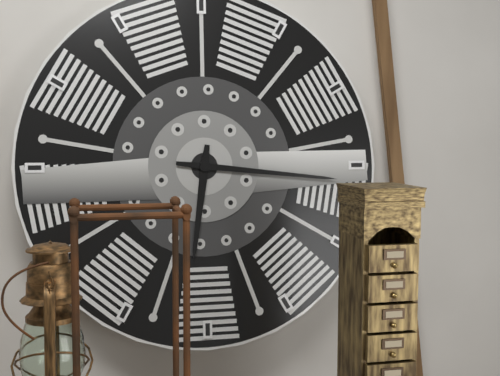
6:16
